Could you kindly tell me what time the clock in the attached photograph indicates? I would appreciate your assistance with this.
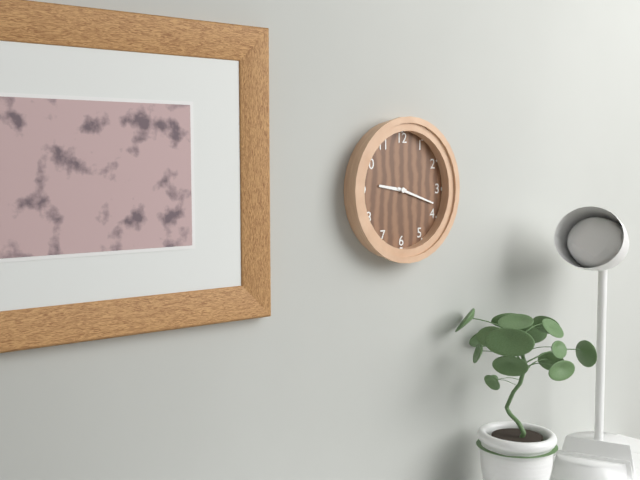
9:18
